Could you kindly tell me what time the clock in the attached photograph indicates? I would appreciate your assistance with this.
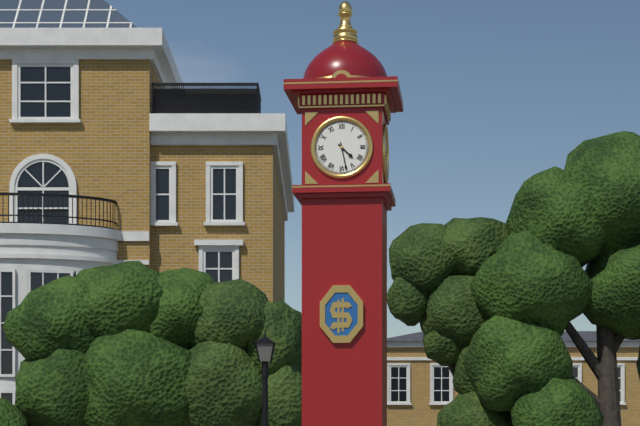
4:28
